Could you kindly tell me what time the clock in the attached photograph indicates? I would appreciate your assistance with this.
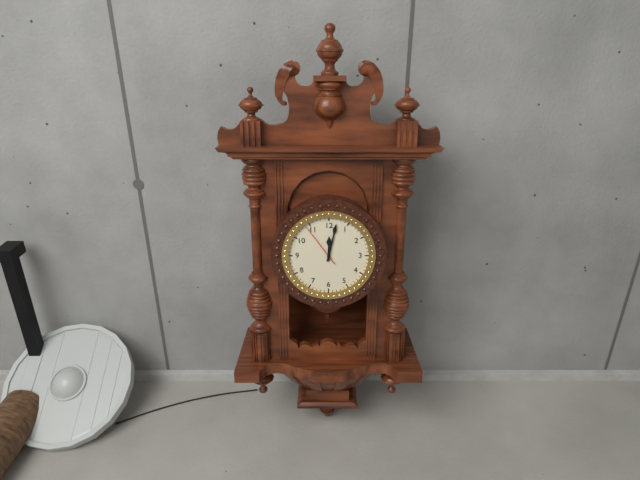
12:02
